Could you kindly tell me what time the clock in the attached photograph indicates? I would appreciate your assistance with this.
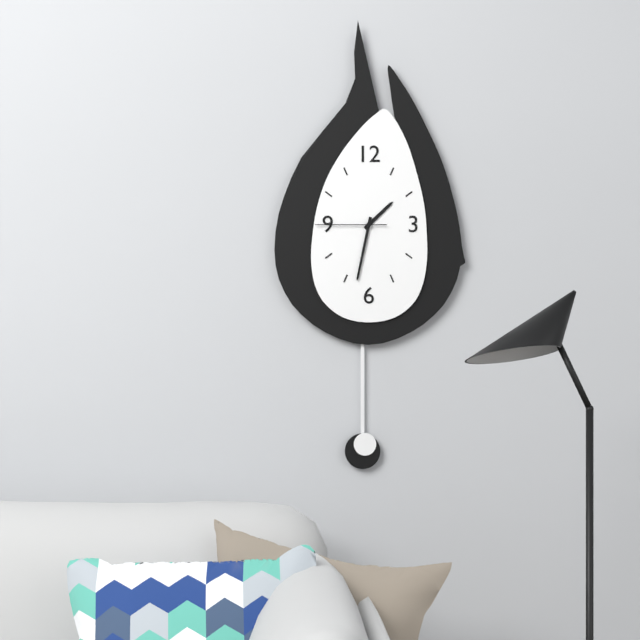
1:32:45
